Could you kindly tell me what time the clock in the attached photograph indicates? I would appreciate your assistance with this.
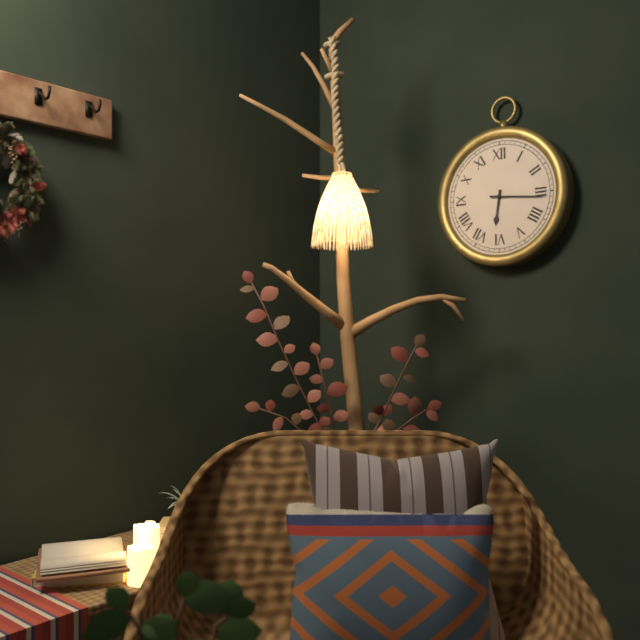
6:16
